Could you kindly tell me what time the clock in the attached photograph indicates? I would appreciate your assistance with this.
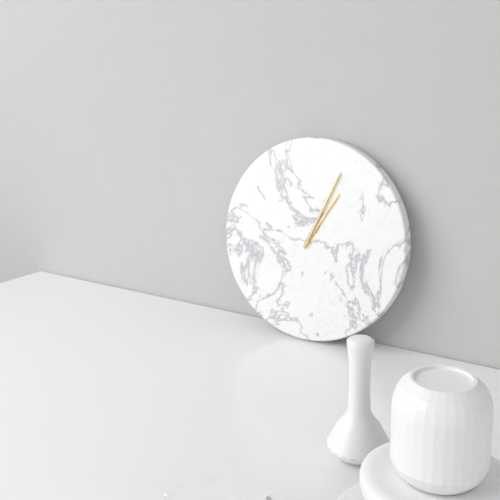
1:04
